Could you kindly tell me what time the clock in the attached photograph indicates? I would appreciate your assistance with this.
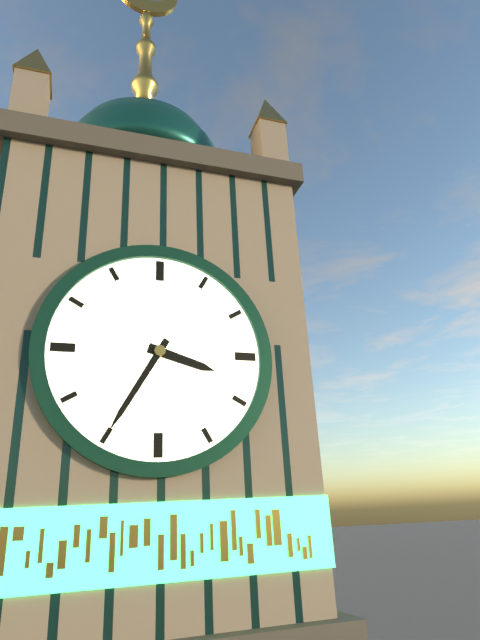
3:35
